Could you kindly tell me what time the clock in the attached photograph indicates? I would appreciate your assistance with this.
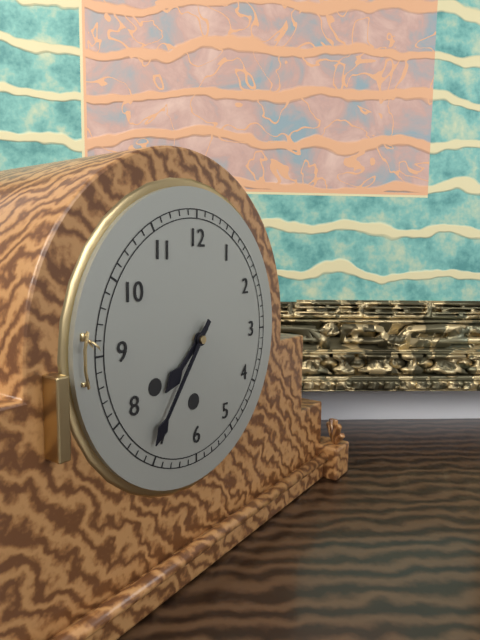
7:36
